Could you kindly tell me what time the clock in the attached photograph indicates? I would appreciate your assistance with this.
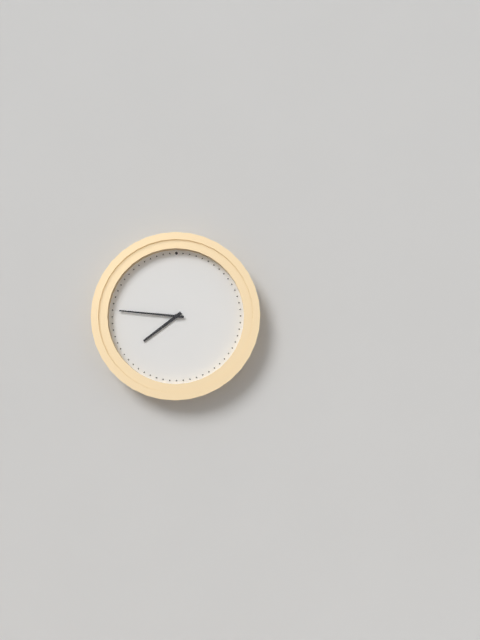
7:46
